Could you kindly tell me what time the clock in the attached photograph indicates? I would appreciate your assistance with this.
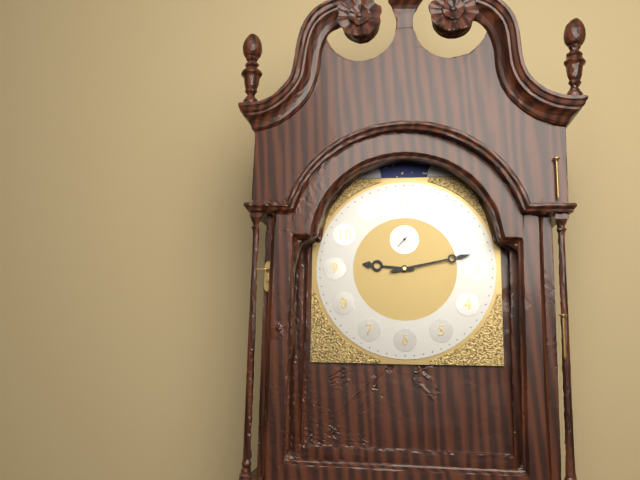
9:13
